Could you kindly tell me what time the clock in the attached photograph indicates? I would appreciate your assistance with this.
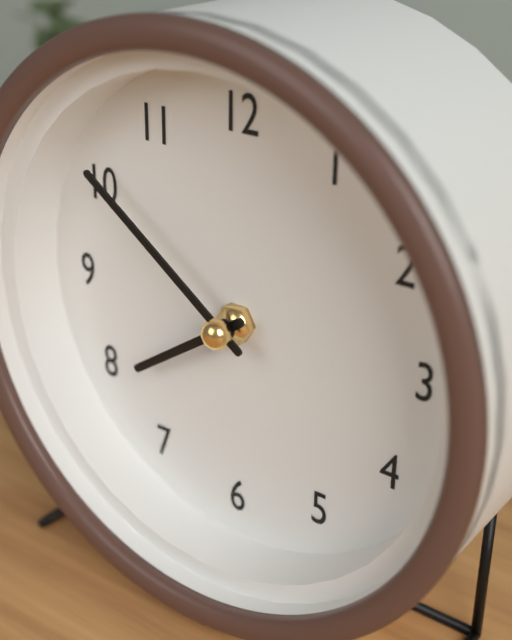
7:51
